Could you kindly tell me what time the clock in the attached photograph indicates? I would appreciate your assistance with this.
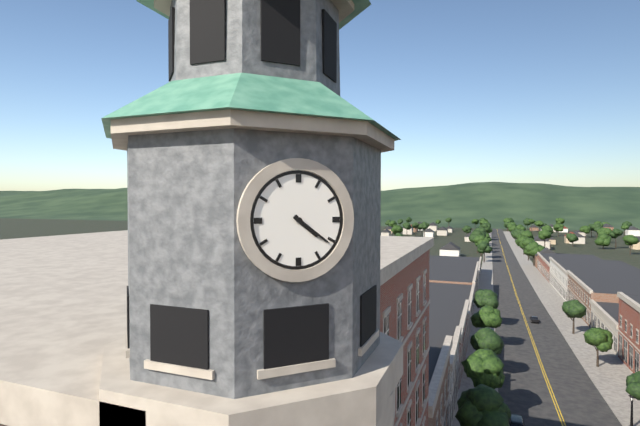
4:21
